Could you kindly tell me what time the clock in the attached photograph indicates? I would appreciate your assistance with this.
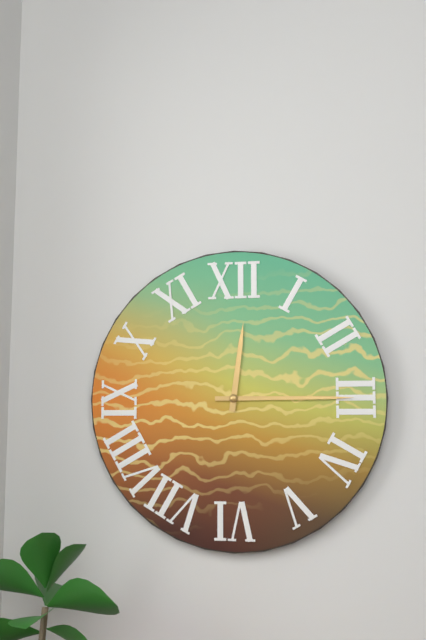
12:15
